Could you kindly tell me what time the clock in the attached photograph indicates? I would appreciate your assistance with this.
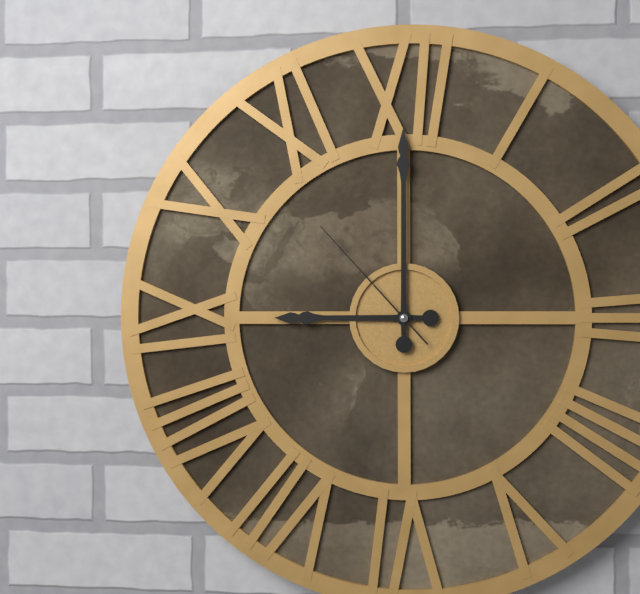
9:00:53
